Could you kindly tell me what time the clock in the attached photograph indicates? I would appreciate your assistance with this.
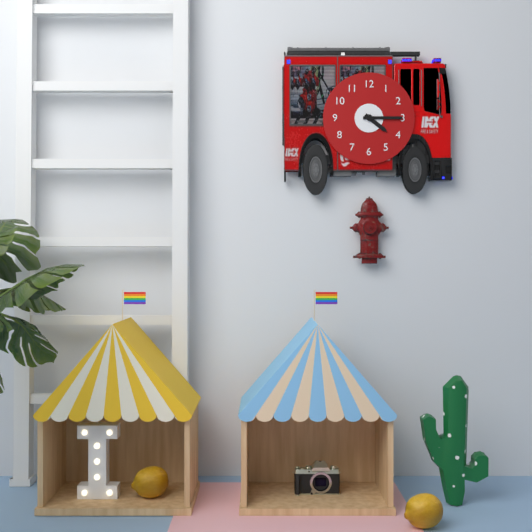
4:15
